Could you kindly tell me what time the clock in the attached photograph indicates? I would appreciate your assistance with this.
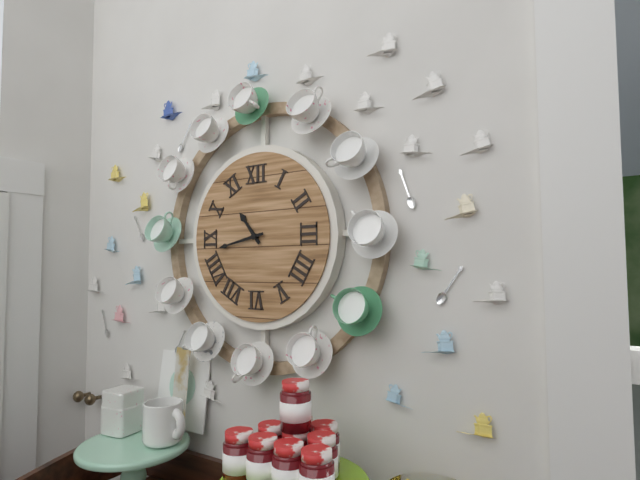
10:43
